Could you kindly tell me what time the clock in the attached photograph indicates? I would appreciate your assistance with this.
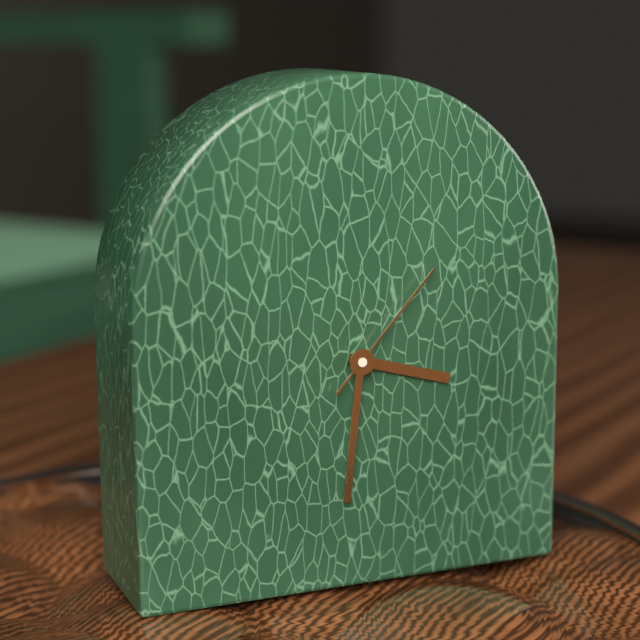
3:31:07
